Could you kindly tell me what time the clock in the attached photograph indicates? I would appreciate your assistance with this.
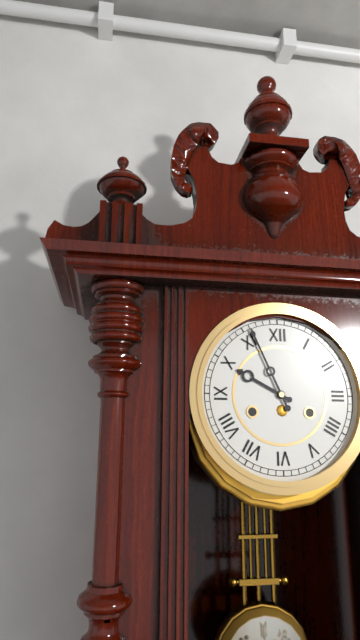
9:56
